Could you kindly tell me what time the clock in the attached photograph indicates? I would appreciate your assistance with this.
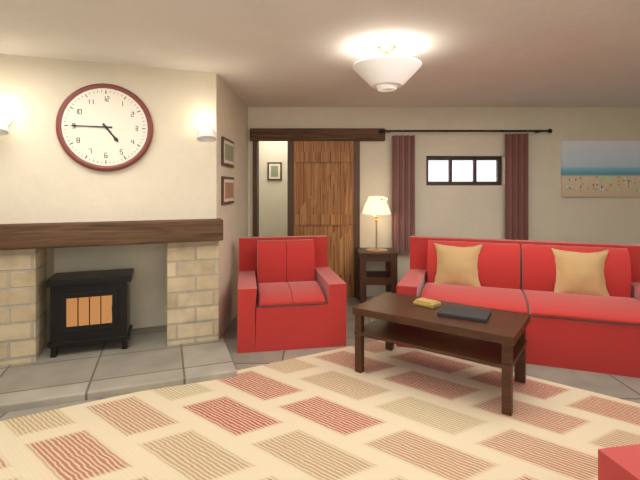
4:45
